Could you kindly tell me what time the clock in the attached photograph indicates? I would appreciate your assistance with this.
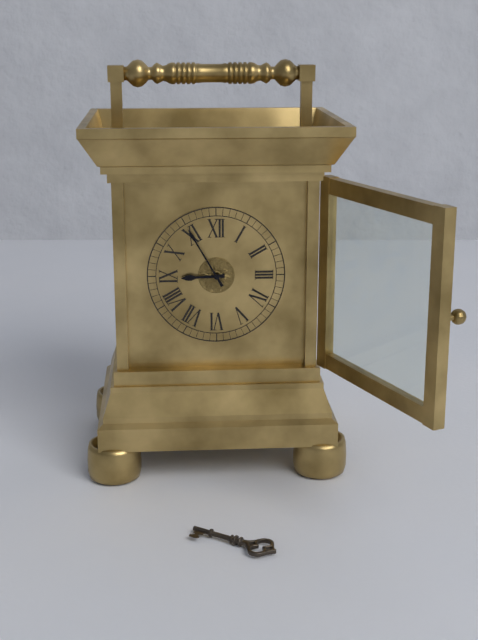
8:55
